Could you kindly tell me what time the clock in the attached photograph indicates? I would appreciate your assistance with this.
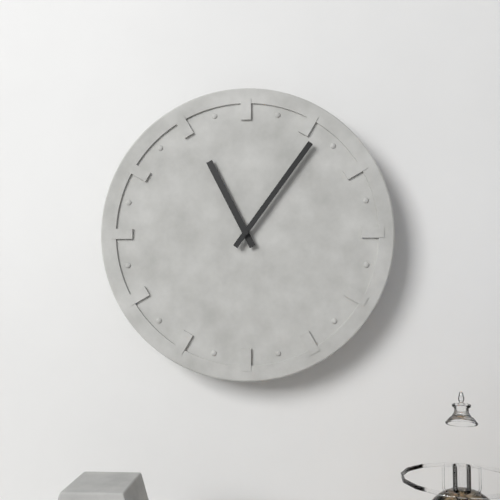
11:06
